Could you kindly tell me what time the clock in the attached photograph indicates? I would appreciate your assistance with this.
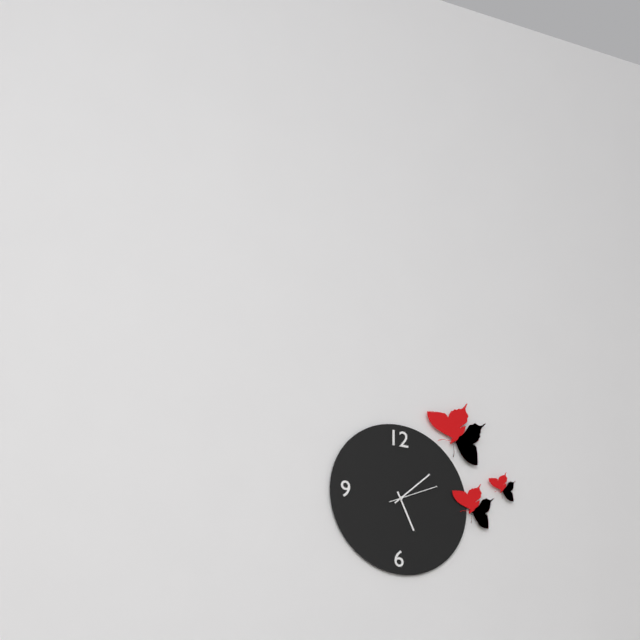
5:08
